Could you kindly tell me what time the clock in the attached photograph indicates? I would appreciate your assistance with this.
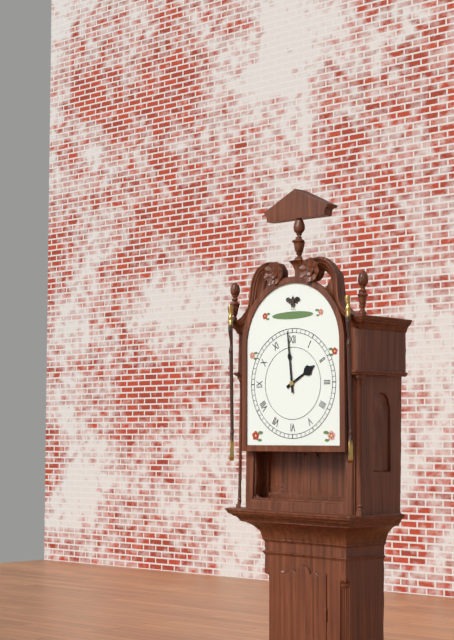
1:59
